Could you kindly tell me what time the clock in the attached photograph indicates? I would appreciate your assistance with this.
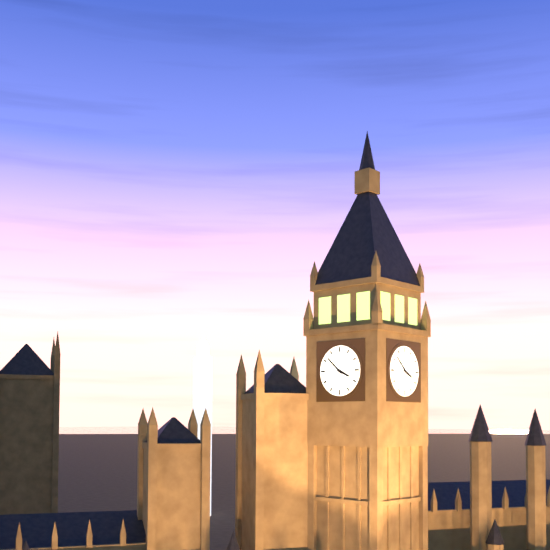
3:52
